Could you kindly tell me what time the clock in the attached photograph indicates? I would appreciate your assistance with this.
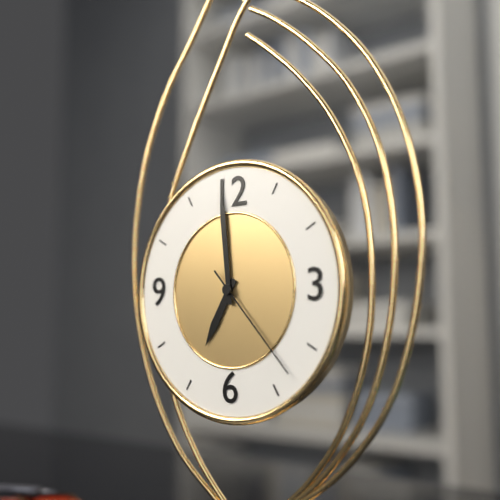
6:59:23
